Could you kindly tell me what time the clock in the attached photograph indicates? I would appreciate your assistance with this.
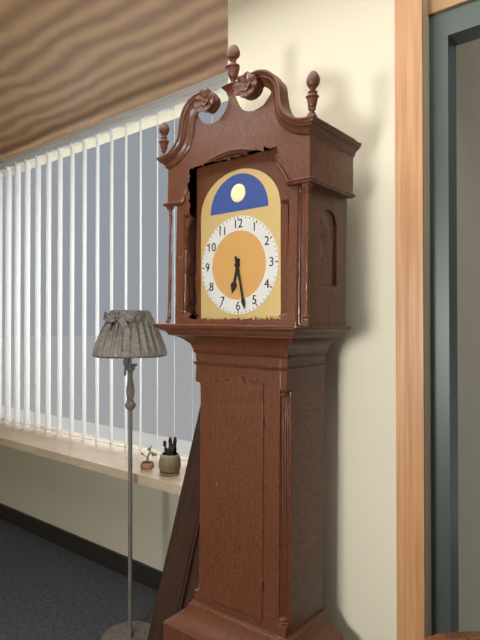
6:28
